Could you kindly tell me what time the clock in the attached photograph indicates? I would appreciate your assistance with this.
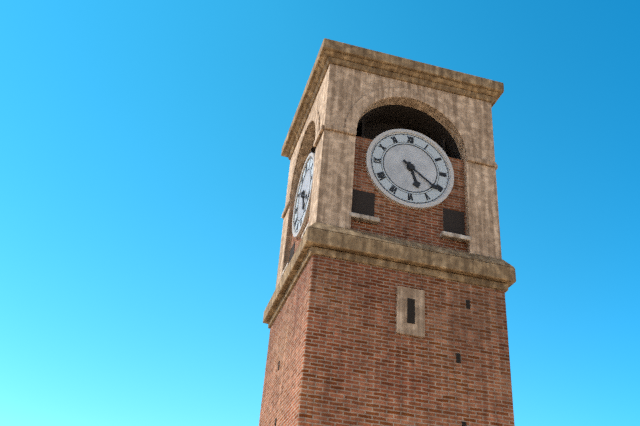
5:21
